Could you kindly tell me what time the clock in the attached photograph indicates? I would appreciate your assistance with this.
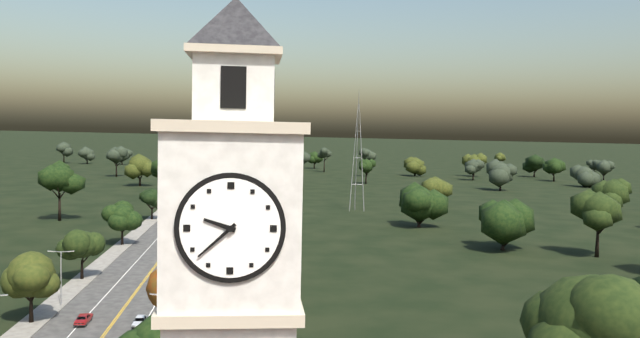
9:38
